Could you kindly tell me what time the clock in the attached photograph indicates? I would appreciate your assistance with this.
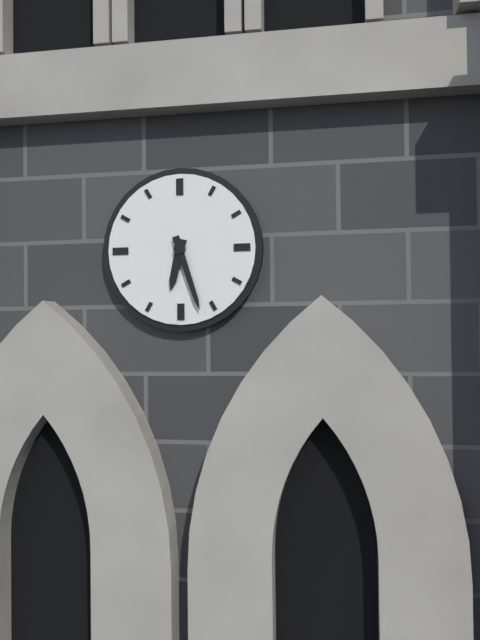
6:27
